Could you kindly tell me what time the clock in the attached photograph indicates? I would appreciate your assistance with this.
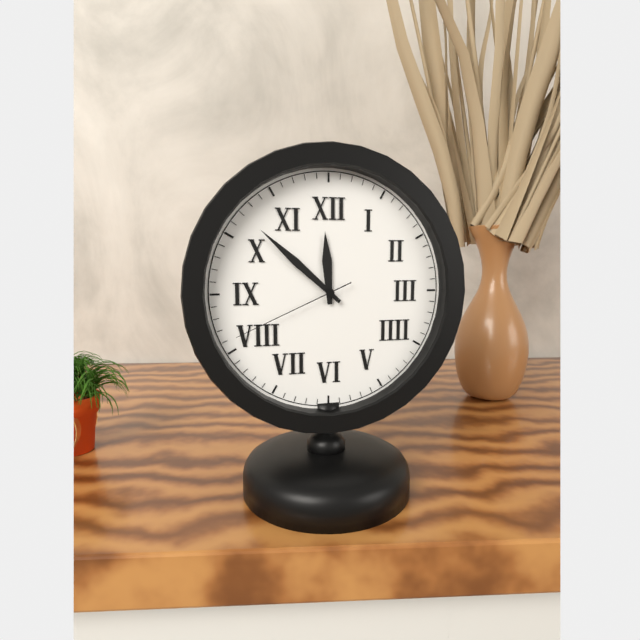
11:52:41
